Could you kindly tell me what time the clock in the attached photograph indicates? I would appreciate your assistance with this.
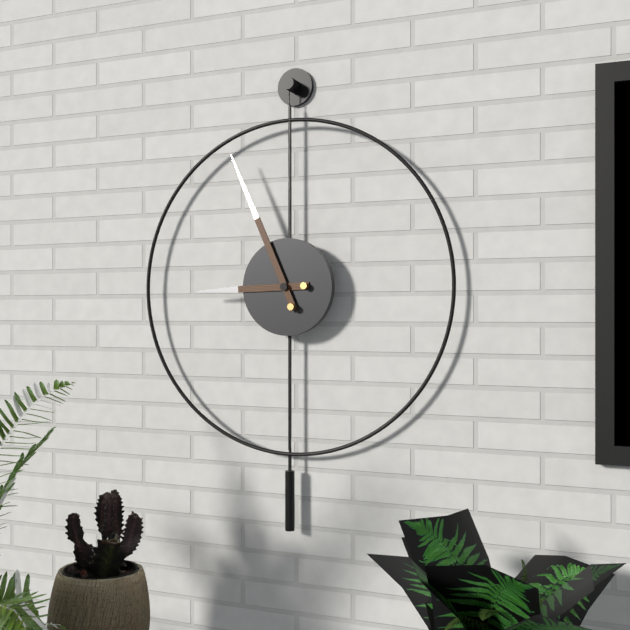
8:56
